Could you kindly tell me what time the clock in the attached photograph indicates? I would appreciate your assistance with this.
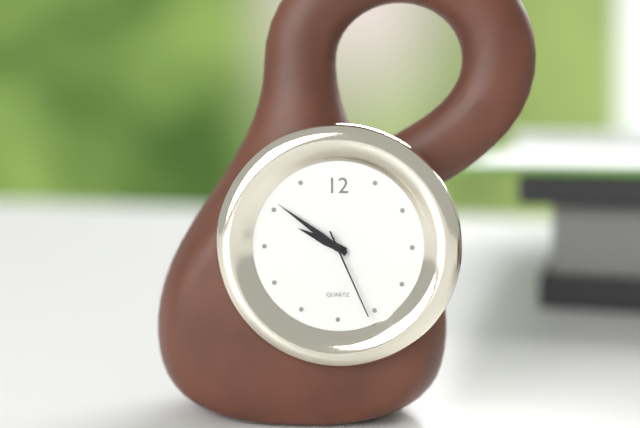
9:51:26
